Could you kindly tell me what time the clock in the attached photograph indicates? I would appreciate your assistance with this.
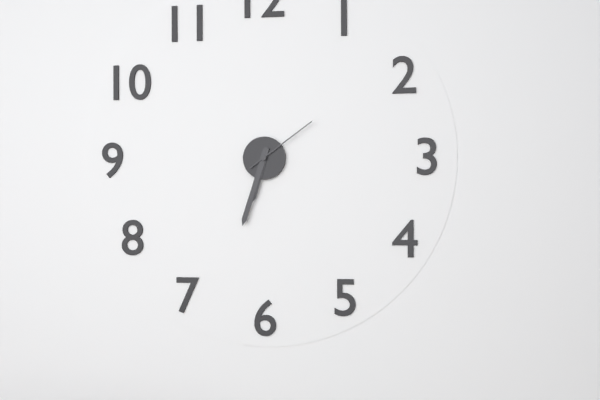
6:33:09
